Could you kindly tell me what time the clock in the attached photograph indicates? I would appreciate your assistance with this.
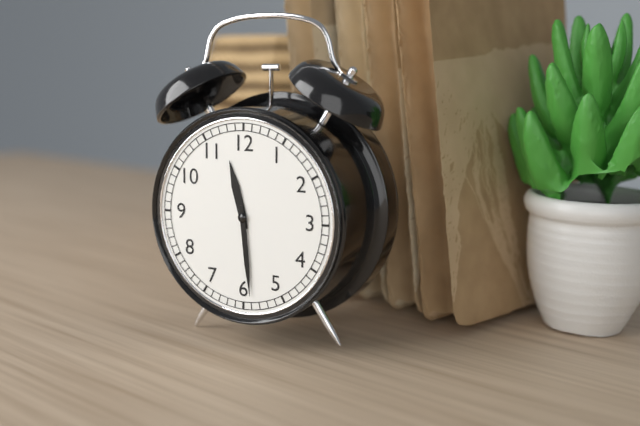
11:29
